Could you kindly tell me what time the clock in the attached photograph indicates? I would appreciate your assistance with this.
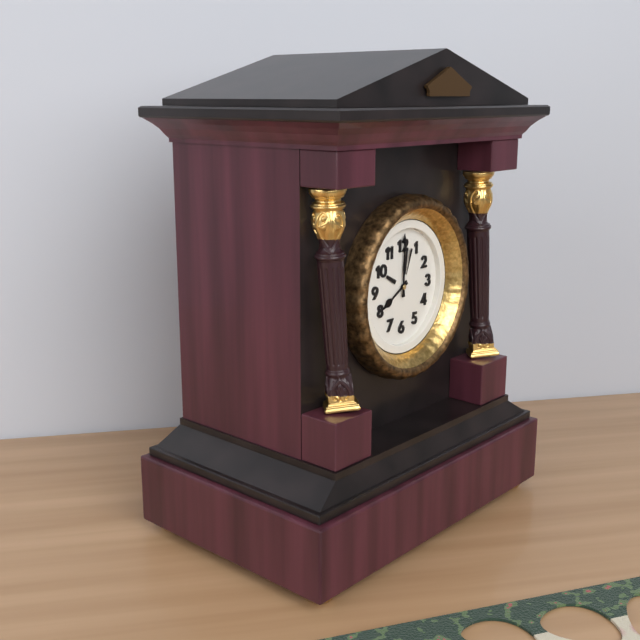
8:00
